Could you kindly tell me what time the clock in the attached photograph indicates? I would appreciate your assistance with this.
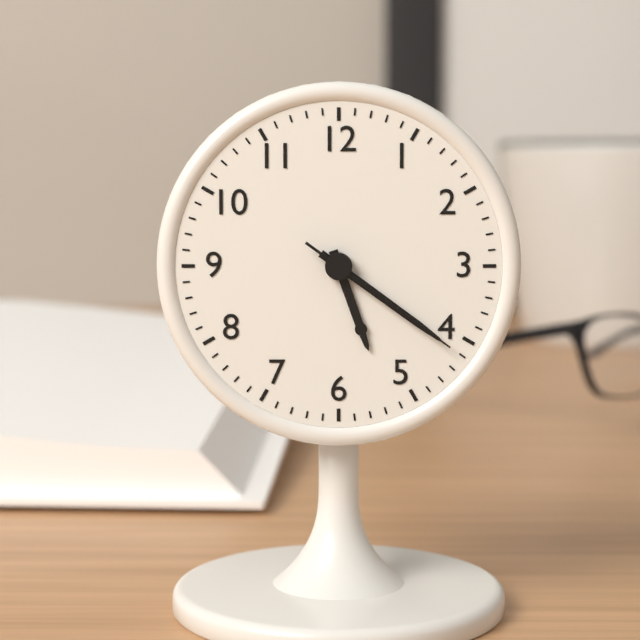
5:21:21
